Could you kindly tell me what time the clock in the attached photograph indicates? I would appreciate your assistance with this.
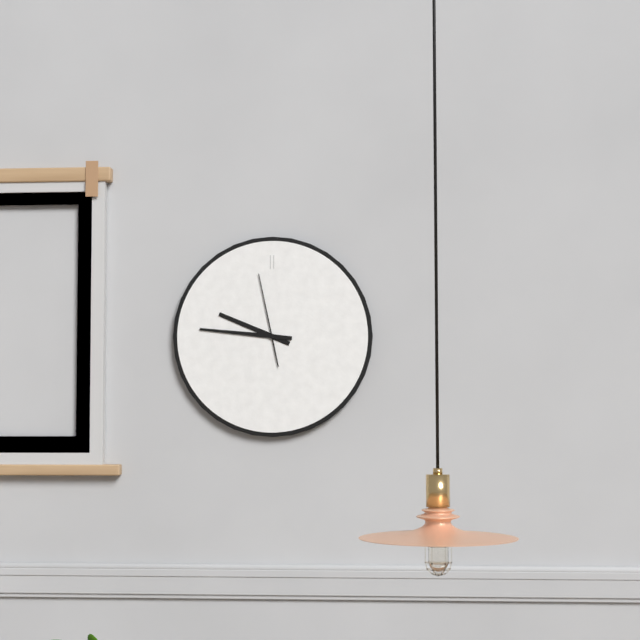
9:46:58
